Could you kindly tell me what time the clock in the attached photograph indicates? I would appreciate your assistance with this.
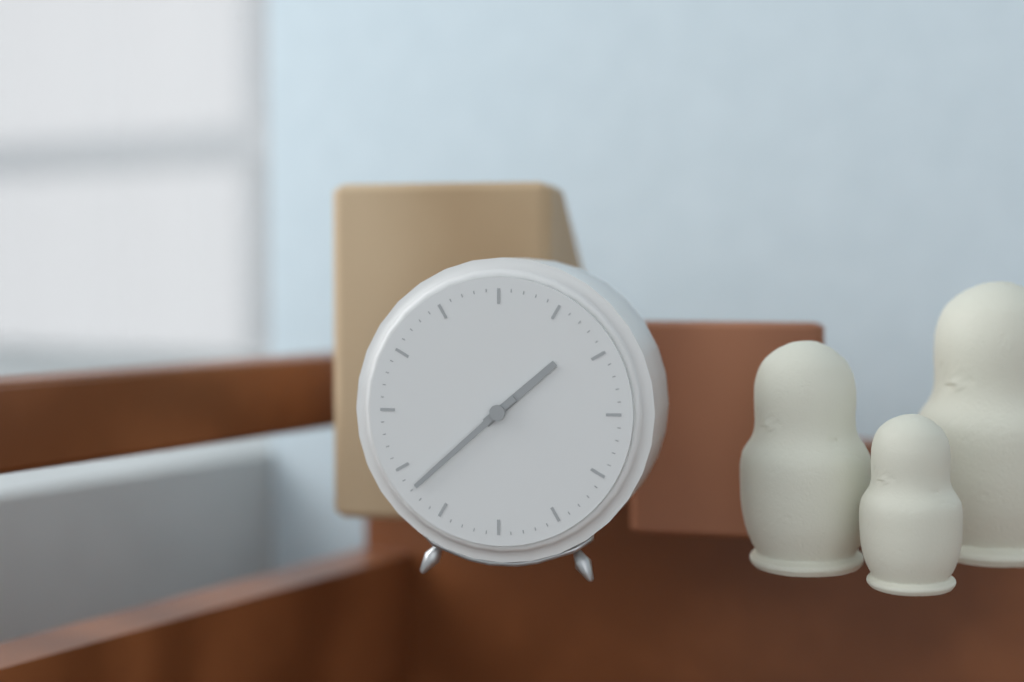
1:38
